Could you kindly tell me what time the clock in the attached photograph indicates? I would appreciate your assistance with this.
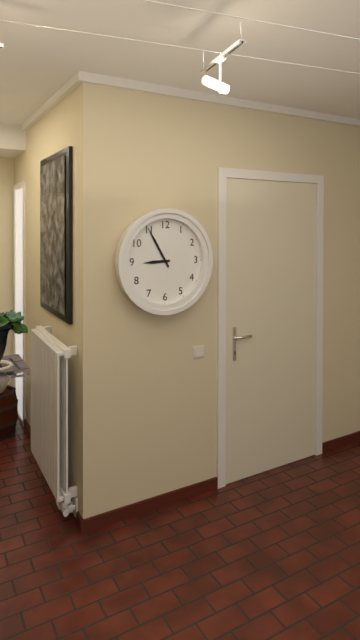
8:55
